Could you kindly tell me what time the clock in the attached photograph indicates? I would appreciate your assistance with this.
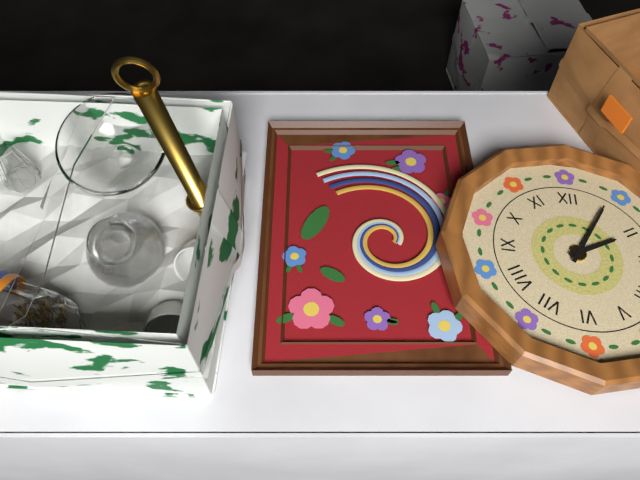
2:05
